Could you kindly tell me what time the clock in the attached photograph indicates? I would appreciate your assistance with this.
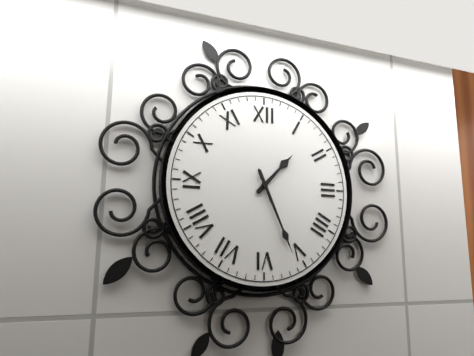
1:26
